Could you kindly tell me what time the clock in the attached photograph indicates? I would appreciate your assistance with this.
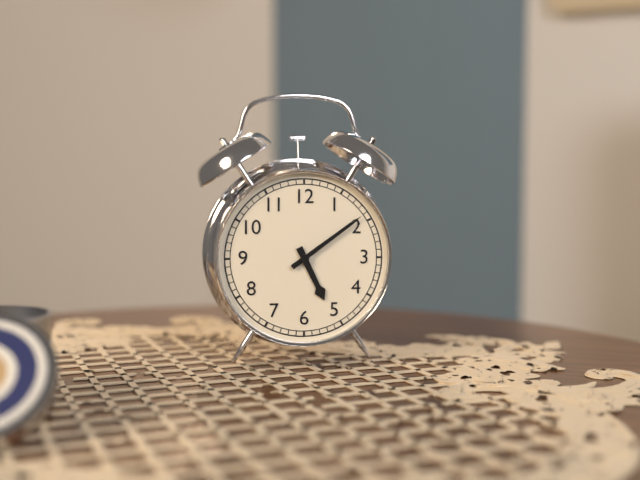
5:09
